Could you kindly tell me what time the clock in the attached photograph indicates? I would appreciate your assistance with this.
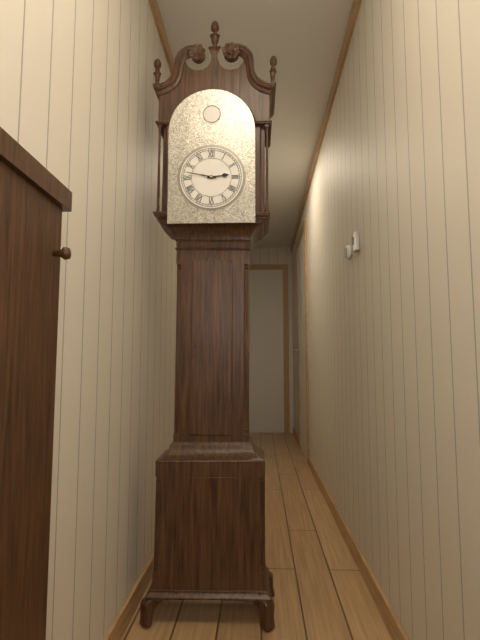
2:47
